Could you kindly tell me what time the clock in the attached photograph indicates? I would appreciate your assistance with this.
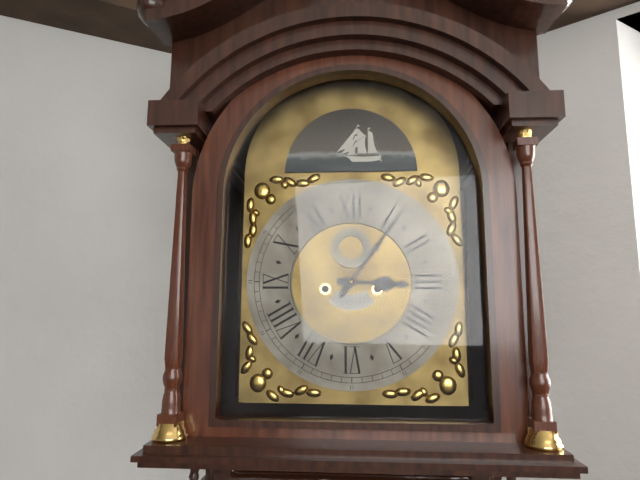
3:06
